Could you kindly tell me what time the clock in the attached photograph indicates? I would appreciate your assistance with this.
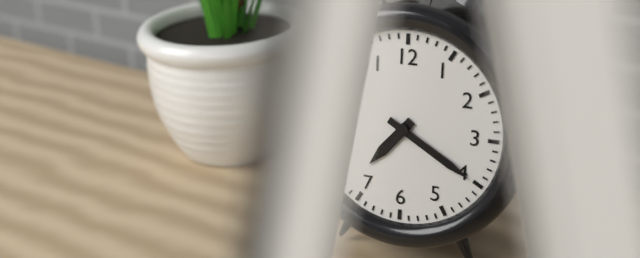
7:20
